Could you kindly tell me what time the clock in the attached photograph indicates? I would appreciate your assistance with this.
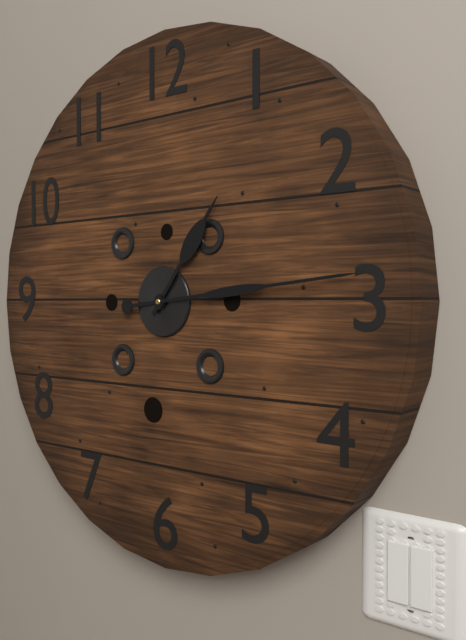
1:14
